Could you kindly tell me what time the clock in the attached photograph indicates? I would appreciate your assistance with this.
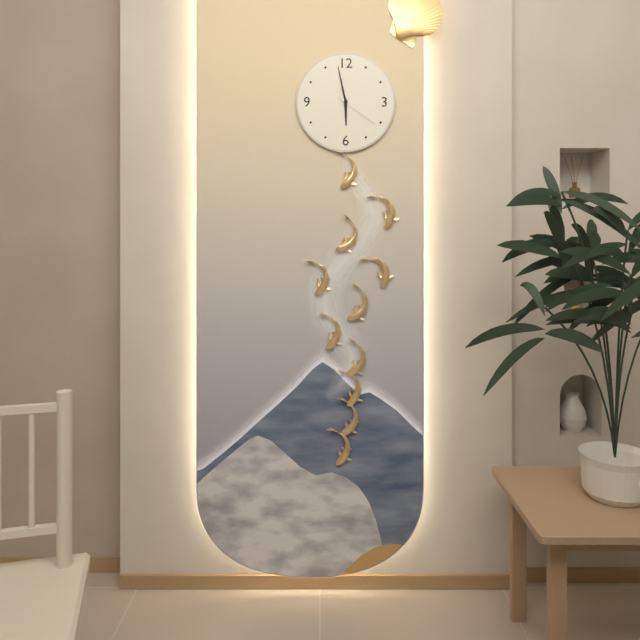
5:58
